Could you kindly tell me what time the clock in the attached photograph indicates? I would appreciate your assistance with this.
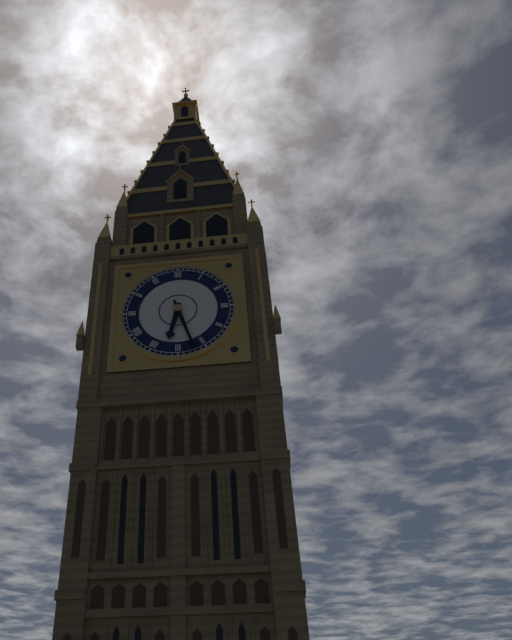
6:27
